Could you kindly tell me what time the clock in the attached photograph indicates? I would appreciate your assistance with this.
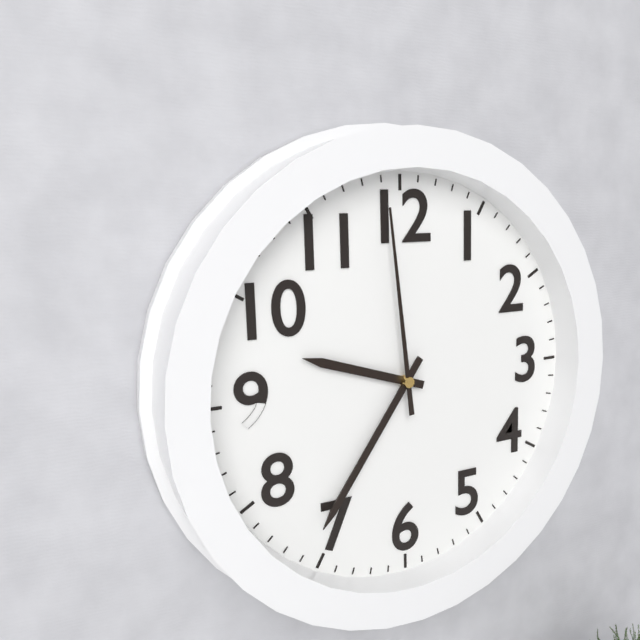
9:36:59
